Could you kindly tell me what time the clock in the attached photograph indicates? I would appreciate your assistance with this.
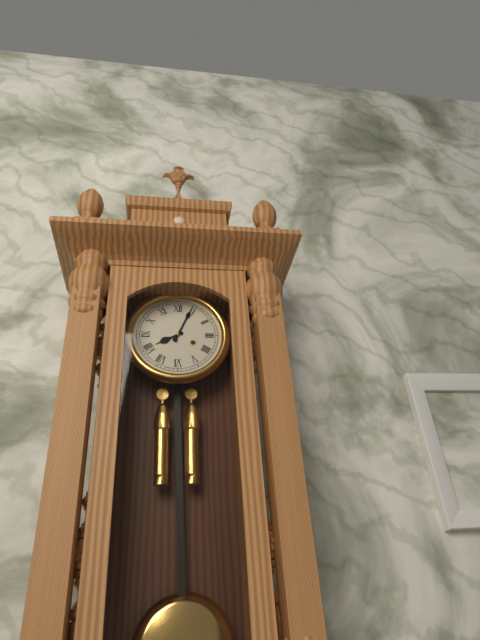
8:04
